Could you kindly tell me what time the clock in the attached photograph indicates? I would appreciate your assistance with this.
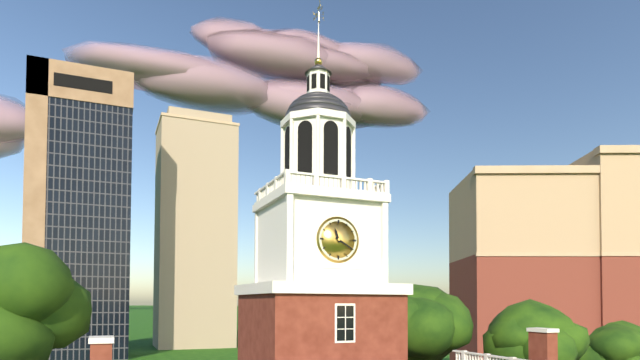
11:20
